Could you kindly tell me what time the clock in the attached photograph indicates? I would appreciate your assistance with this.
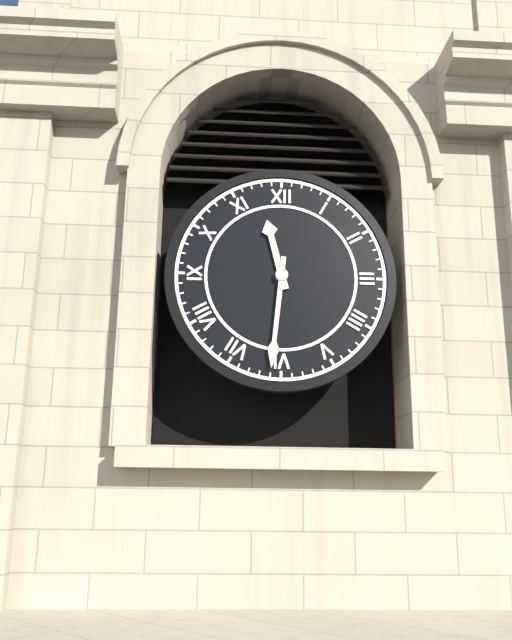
11:31
